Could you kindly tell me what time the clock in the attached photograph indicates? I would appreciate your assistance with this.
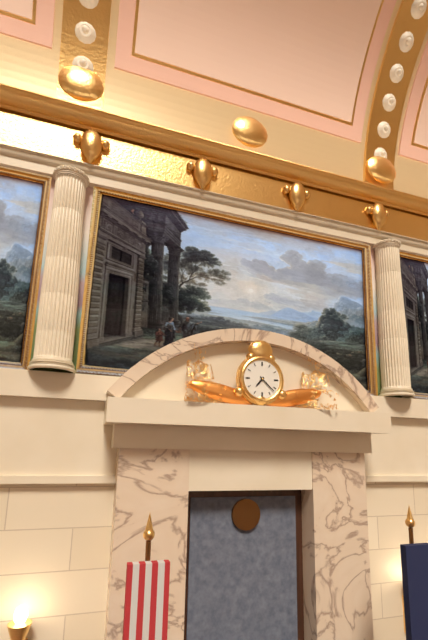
7:22
